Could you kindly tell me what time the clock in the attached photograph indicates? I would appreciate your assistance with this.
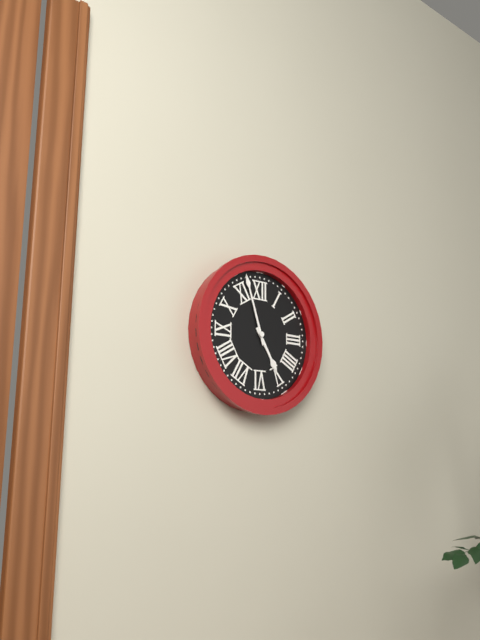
4:57
